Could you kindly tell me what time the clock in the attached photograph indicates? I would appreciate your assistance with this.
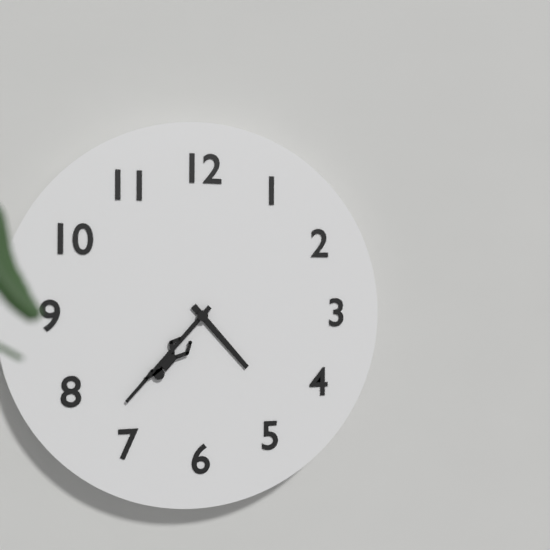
4:37
